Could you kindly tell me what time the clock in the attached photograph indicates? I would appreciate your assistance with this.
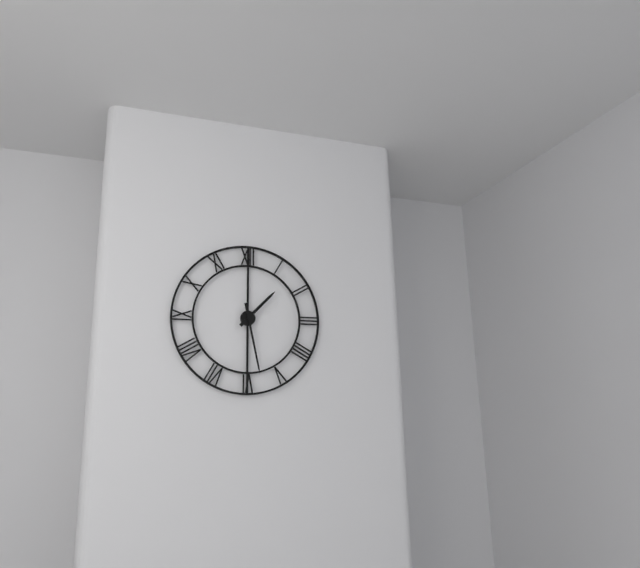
1:28
